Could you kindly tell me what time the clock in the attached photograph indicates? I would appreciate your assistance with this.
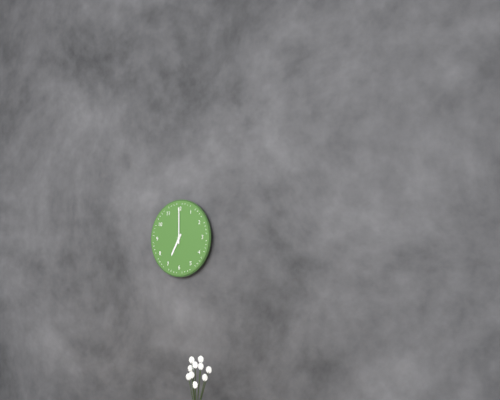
7:00
